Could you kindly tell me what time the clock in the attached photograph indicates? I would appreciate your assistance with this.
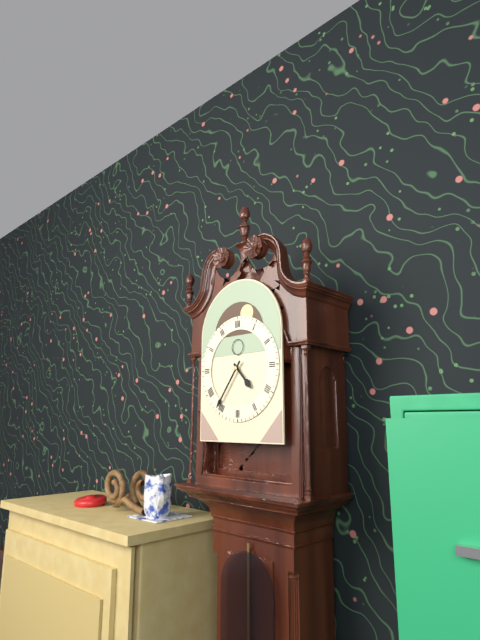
4:36
